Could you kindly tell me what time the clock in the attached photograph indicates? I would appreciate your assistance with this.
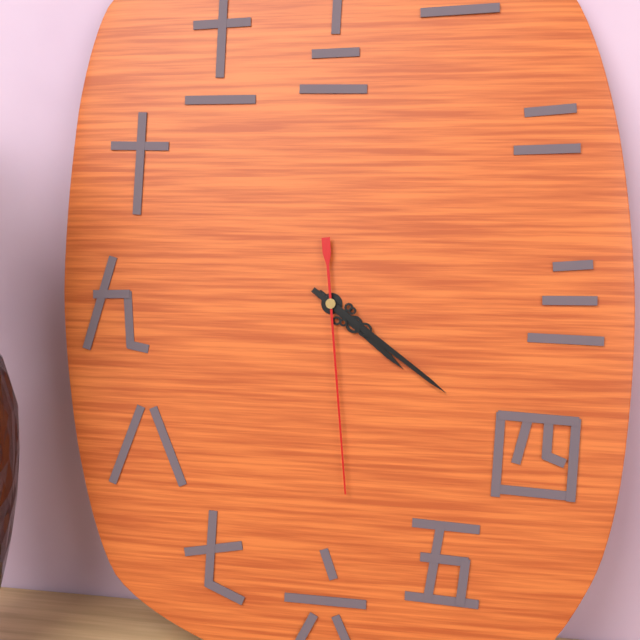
4:21:29
